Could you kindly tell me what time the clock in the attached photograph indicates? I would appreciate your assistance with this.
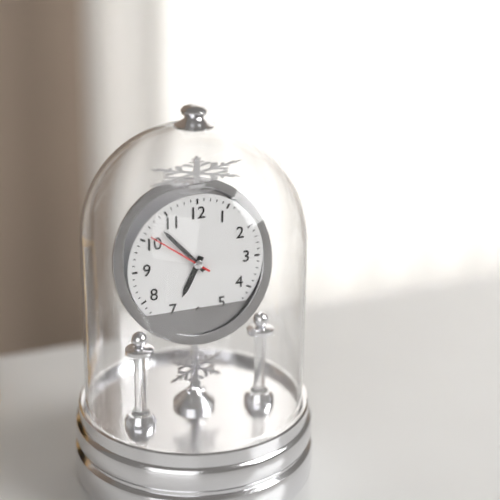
6:53:51
